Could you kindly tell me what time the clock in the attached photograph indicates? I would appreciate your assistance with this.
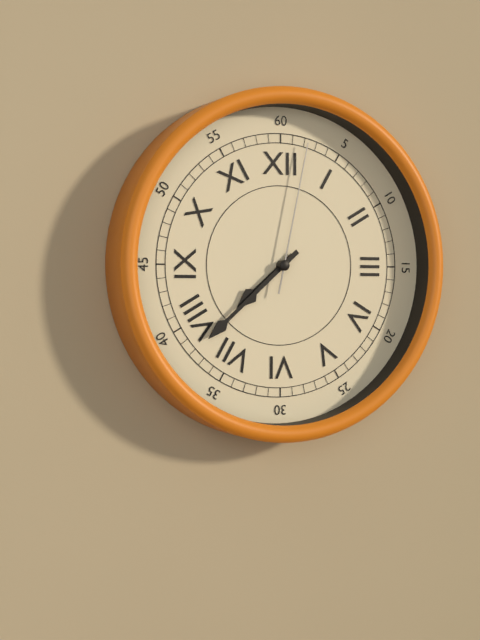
7:38:02
